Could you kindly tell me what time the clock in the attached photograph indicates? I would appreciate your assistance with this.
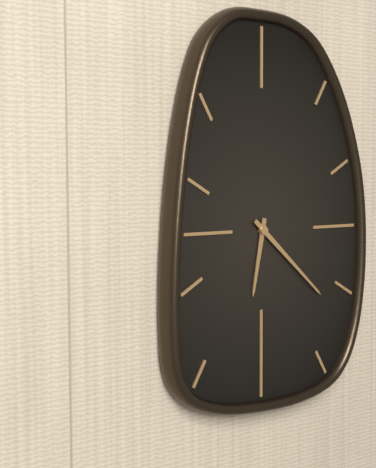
6:22
